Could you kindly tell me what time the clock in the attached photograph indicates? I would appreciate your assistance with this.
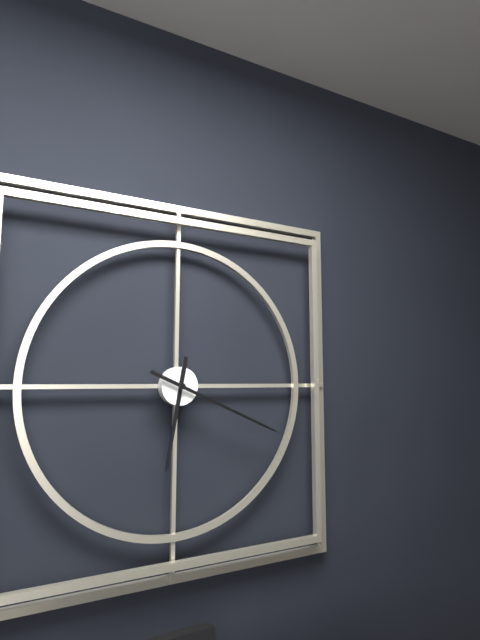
6:19
